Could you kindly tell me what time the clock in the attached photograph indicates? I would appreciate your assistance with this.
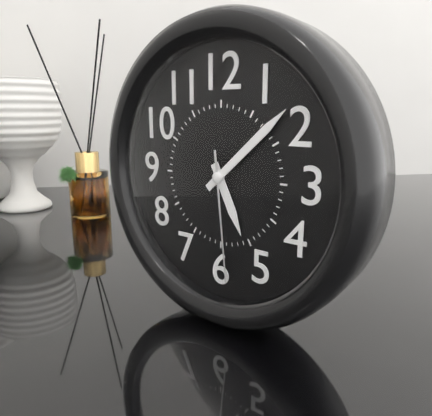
5:08:29
